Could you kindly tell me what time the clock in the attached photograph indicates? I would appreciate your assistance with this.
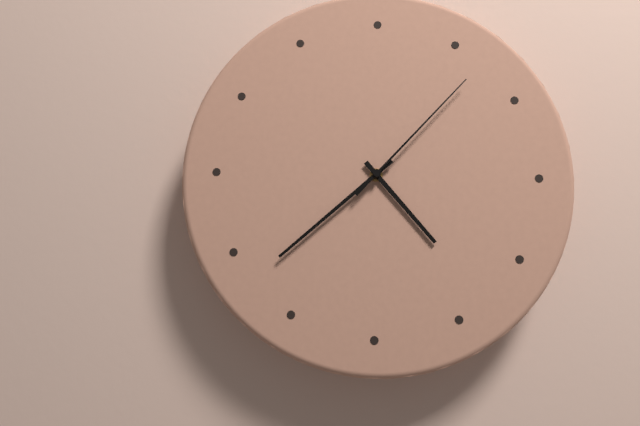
4:38:07
